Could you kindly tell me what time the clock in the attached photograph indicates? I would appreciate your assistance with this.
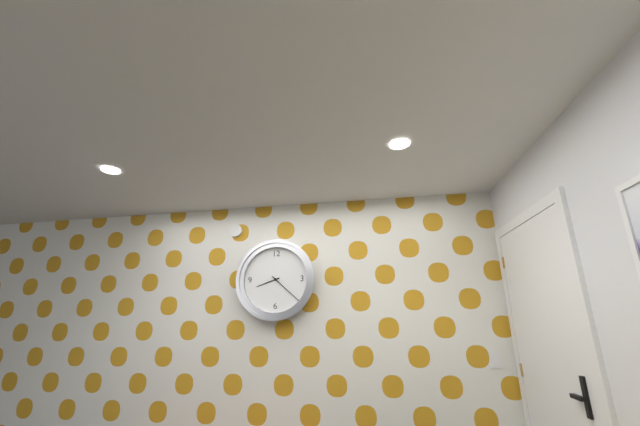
8:22
